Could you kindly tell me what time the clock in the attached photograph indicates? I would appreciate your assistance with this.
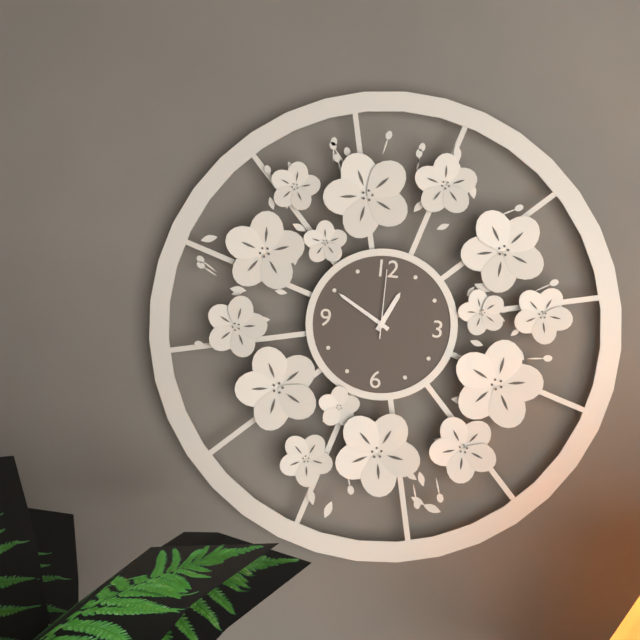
12:50:00
